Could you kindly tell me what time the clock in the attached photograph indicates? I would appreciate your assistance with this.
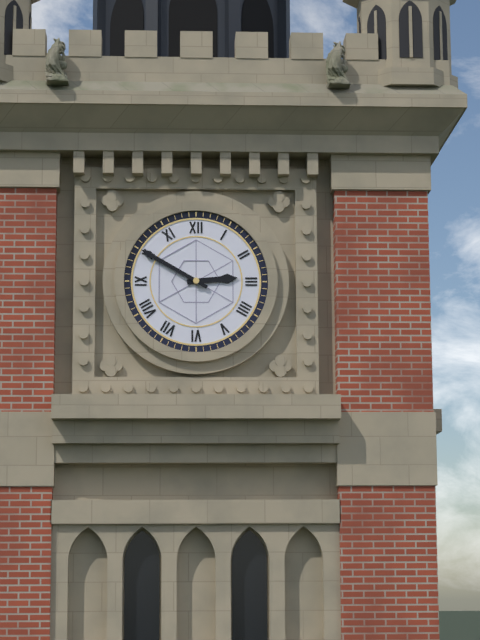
2:50
